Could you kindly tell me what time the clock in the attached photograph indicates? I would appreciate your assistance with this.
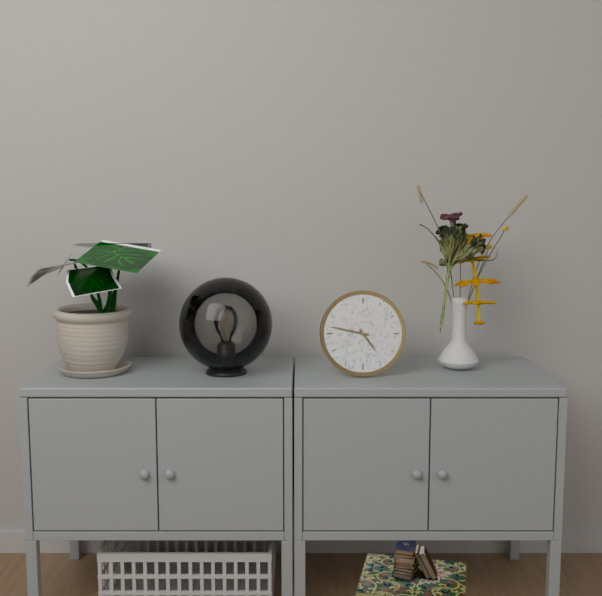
4:47
